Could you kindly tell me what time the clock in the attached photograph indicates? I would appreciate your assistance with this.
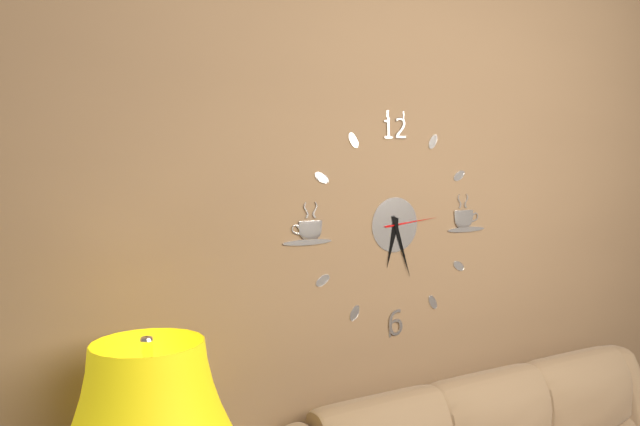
6:27:14
